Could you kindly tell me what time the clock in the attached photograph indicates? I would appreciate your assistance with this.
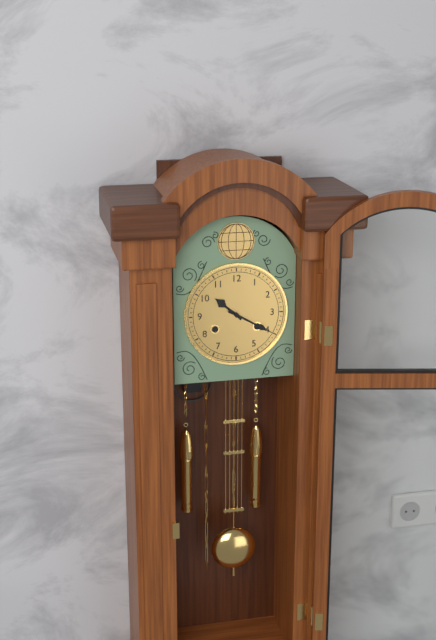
10:20
